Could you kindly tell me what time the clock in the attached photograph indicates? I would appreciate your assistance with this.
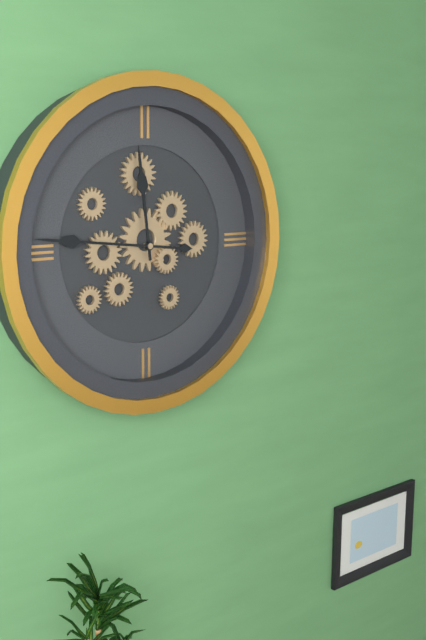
11:46
